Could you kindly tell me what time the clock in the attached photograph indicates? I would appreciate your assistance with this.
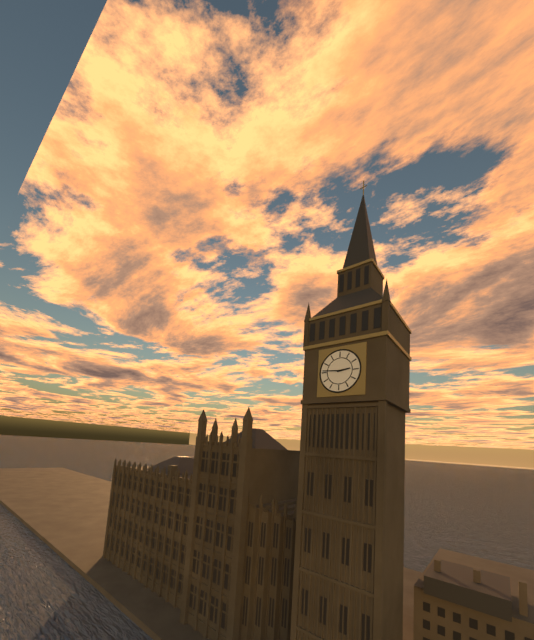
2:46
